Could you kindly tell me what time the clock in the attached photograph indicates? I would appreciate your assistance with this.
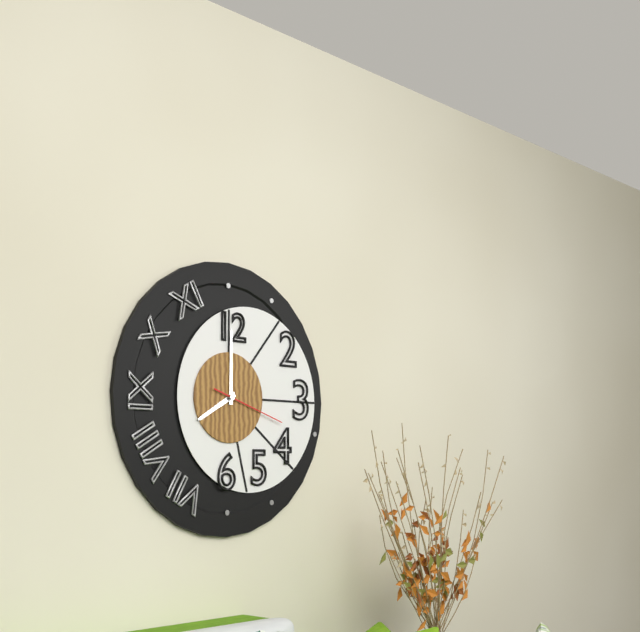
8:00:18
